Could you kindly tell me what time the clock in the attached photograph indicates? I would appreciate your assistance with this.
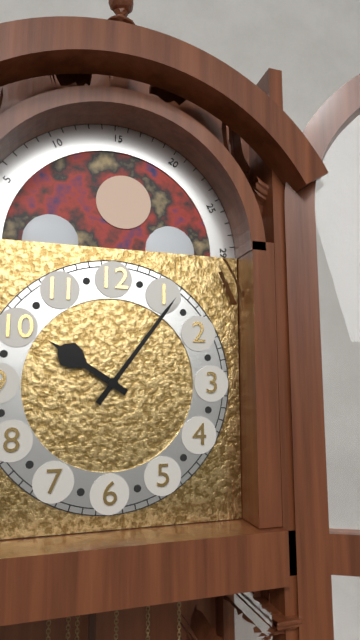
10:06
